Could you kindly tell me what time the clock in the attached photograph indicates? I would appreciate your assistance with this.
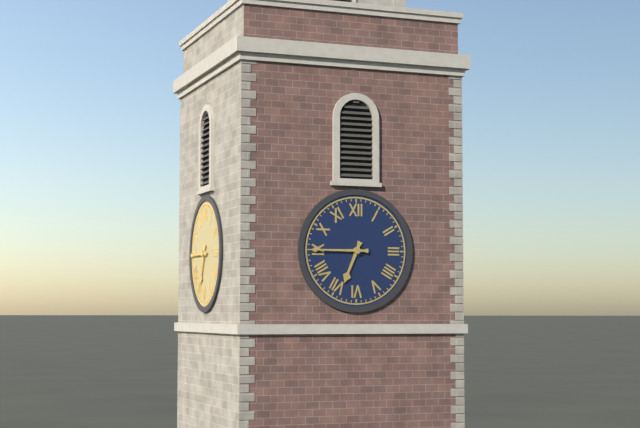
6:45
